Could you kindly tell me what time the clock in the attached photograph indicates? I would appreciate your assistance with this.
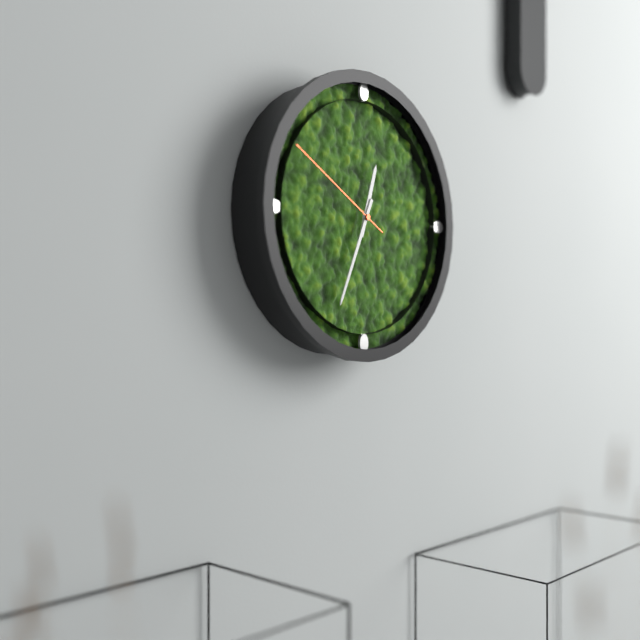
12:34:50
